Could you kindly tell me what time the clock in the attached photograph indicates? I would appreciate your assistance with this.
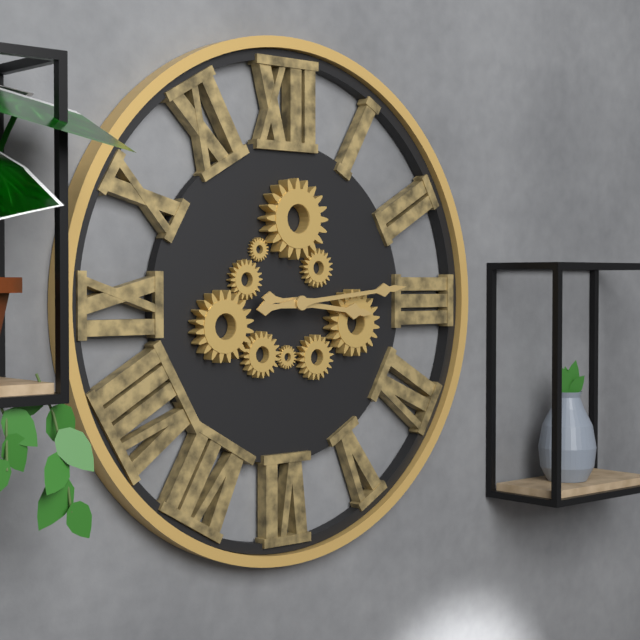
3:14
